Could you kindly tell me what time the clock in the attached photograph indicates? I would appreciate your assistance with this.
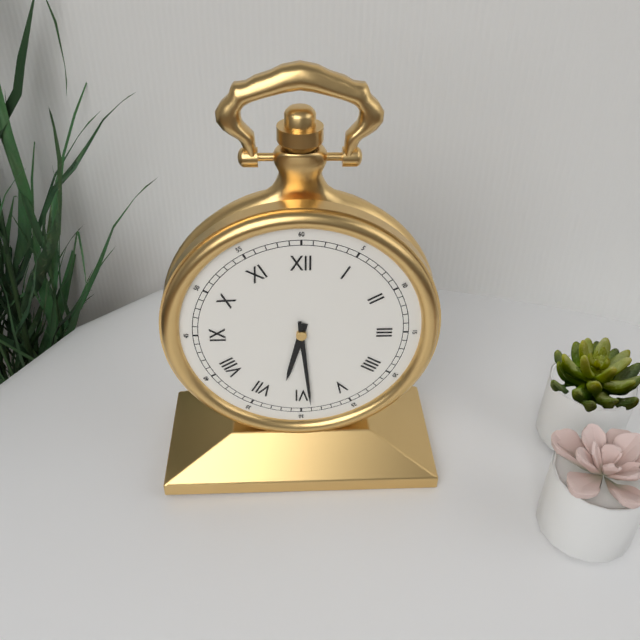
6:29
